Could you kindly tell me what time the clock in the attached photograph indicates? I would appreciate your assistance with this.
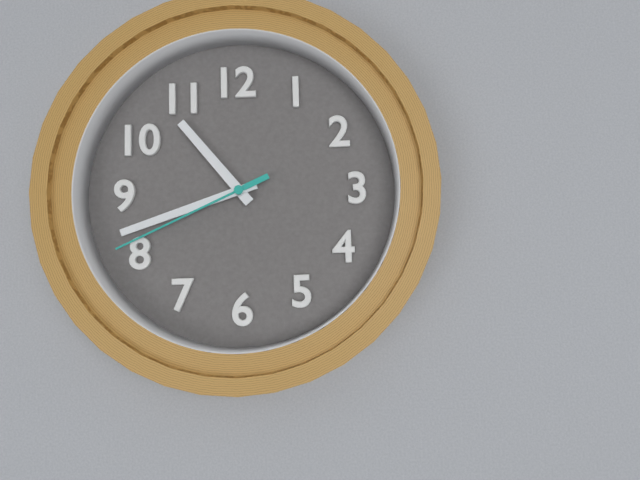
10:42:41
